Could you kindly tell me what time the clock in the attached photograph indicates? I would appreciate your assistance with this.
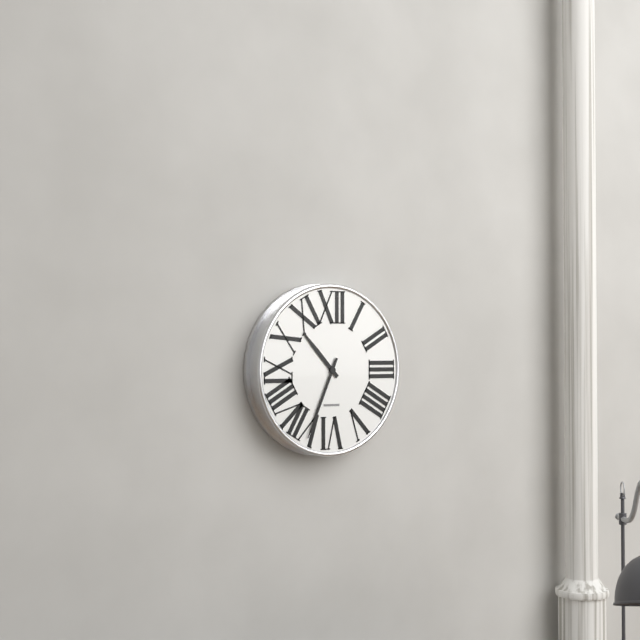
10:34
